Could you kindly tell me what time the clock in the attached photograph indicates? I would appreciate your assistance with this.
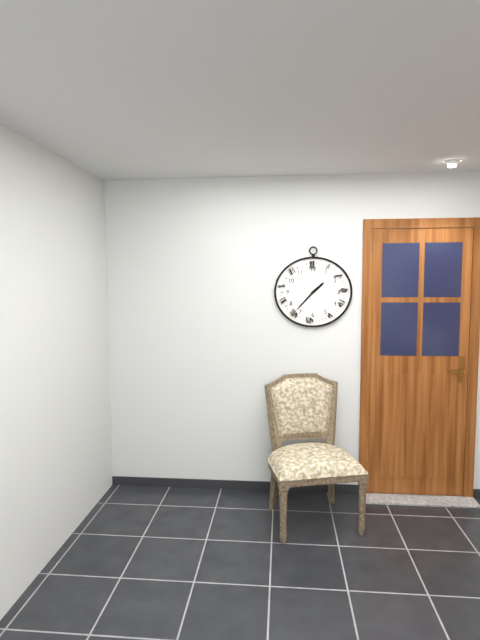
1:37
